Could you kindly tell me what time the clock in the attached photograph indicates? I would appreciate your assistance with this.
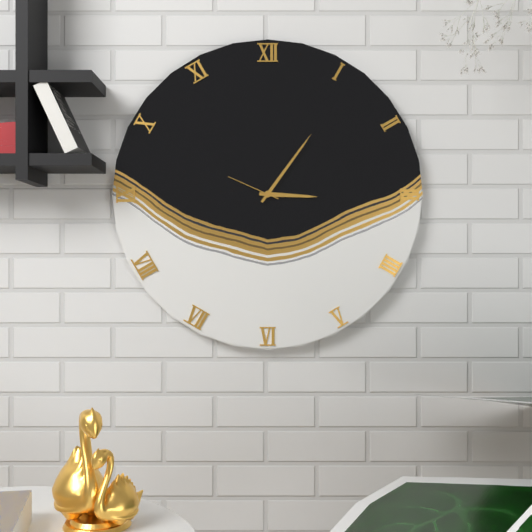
3:06:49
